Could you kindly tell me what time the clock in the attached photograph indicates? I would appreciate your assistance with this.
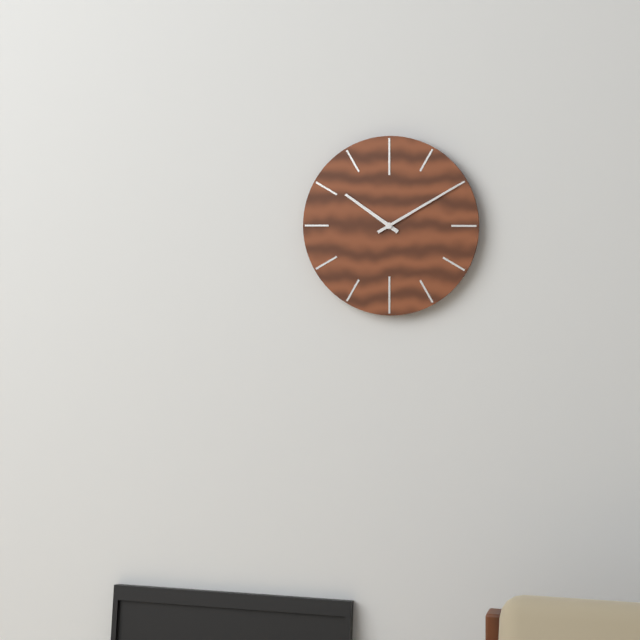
10:10
